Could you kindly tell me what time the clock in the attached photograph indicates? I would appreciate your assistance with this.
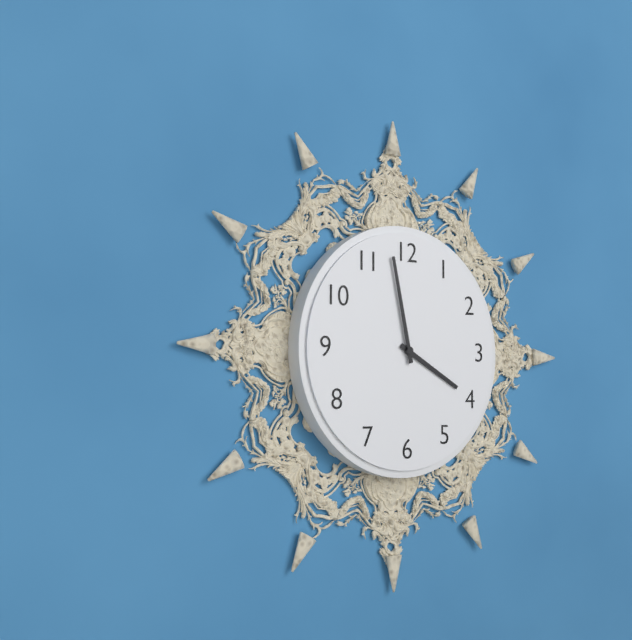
3:58
